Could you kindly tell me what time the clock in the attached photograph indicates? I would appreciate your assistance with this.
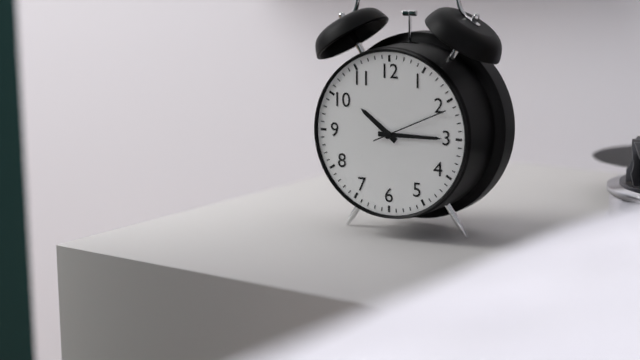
10:15:11
